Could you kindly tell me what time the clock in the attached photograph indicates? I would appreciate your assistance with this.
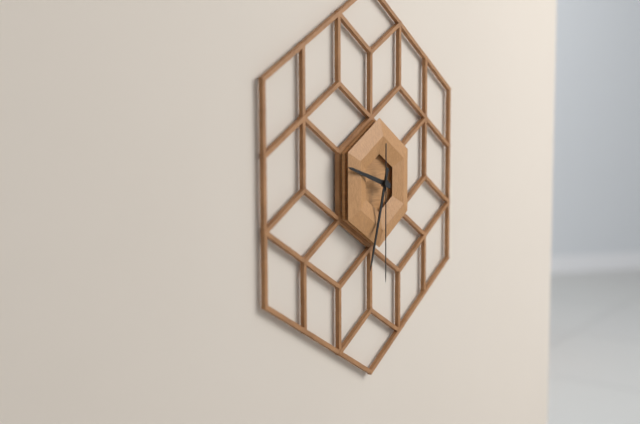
9:33:30
